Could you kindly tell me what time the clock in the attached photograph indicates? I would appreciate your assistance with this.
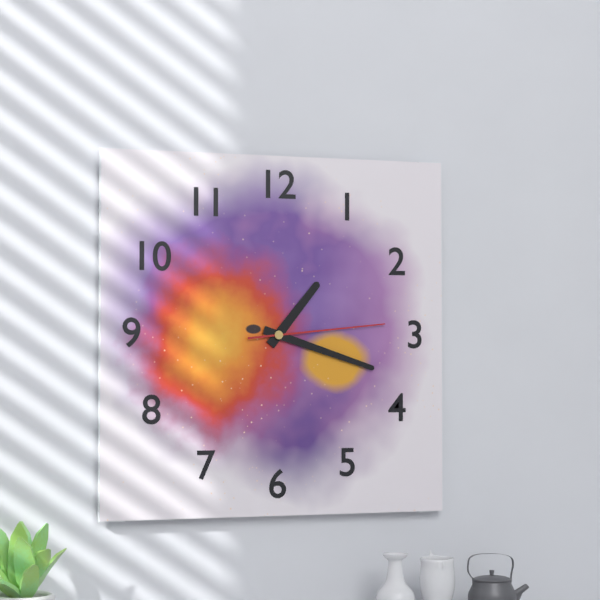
1:18:14
